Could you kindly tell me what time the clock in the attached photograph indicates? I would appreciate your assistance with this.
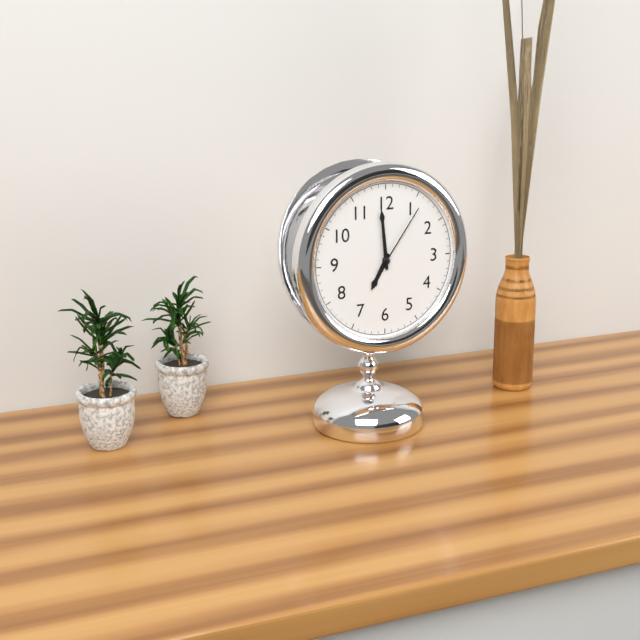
6:59:06
